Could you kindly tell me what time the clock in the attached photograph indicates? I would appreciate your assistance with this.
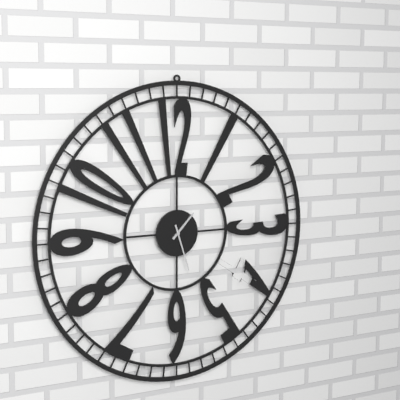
1:27
